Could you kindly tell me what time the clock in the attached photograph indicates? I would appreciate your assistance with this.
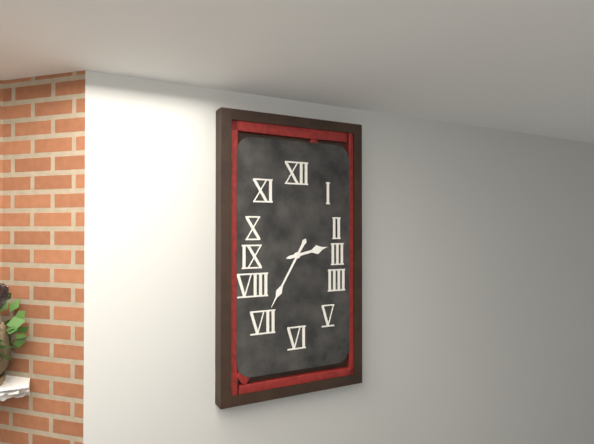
2:35
